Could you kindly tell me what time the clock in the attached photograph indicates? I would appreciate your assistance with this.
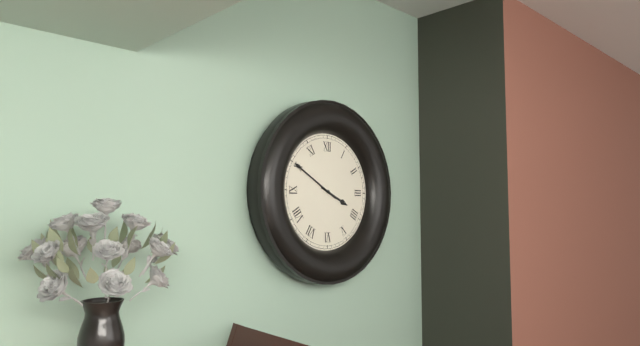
3:50
